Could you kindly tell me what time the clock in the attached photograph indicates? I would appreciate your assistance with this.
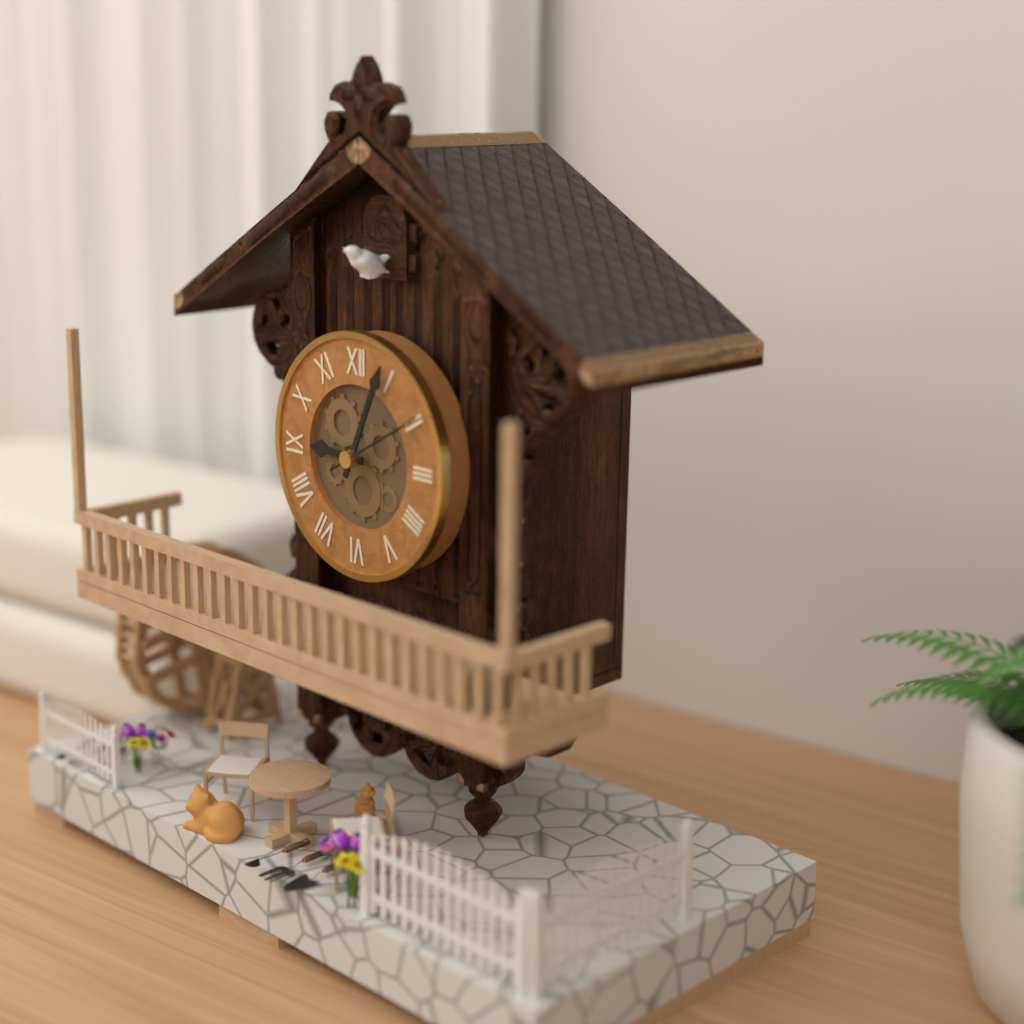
9:04:10
